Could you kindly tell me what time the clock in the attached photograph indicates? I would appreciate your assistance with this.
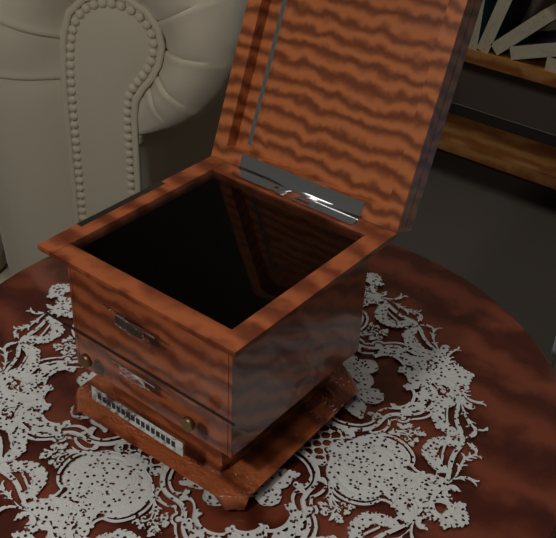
6:31
